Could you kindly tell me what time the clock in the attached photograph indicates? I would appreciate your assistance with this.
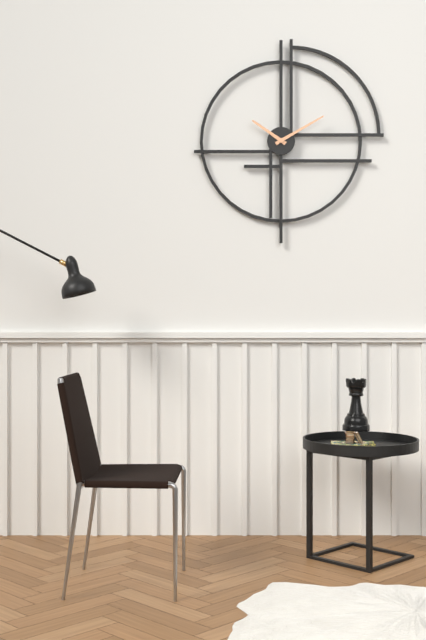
10:10
